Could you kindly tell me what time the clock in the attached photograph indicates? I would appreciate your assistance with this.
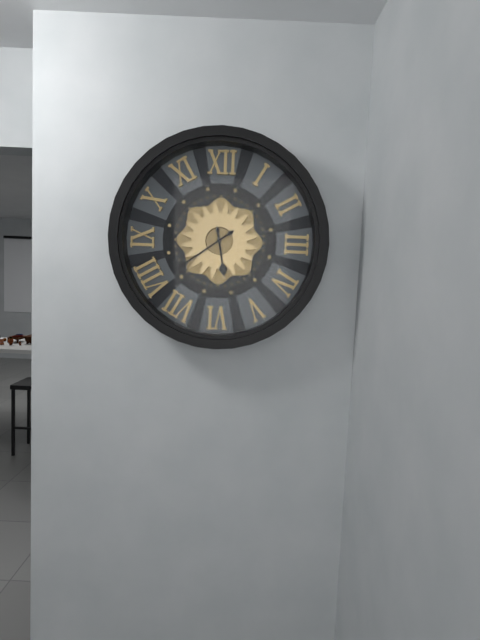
5:39
